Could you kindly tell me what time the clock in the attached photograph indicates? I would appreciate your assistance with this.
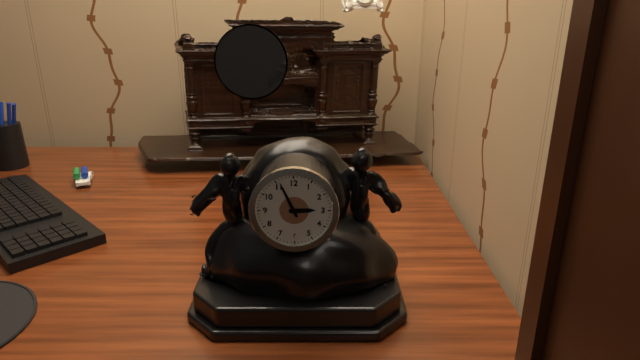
2:56
